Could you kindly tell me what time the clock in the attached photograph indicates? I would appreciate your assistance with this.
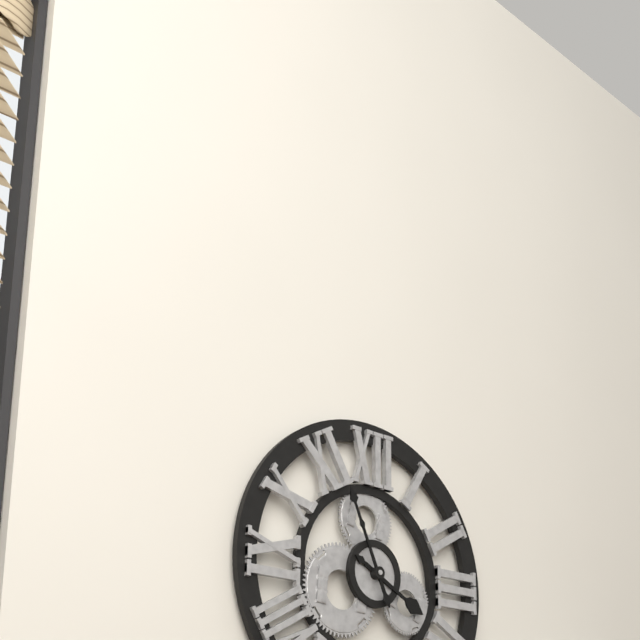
3:56
